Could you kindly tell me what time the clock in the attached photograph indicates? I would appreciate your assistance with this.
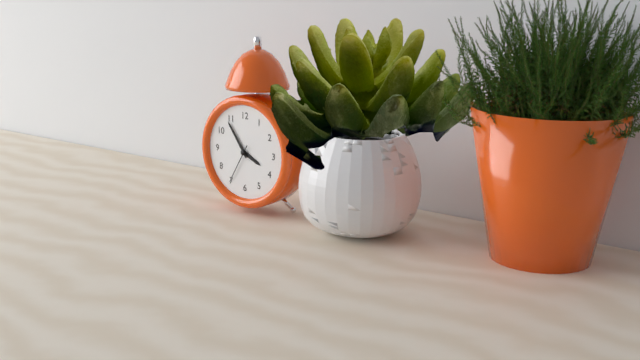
3:54
